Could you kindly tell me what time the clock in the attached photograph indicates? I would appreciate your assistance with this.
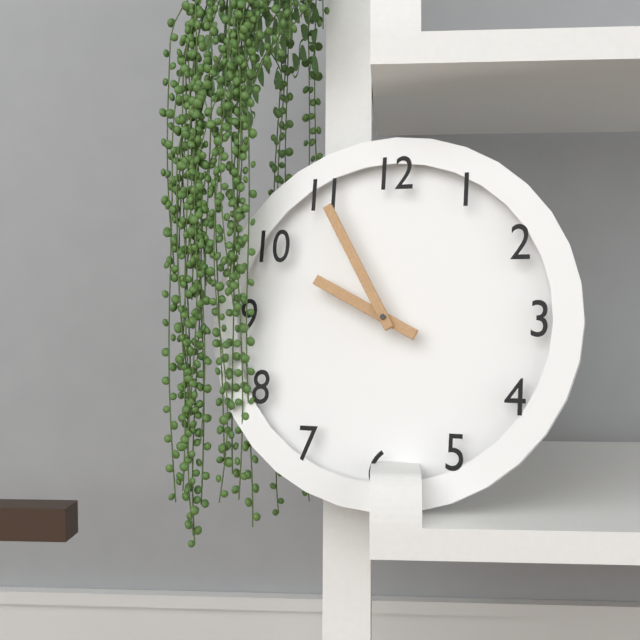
9:55
